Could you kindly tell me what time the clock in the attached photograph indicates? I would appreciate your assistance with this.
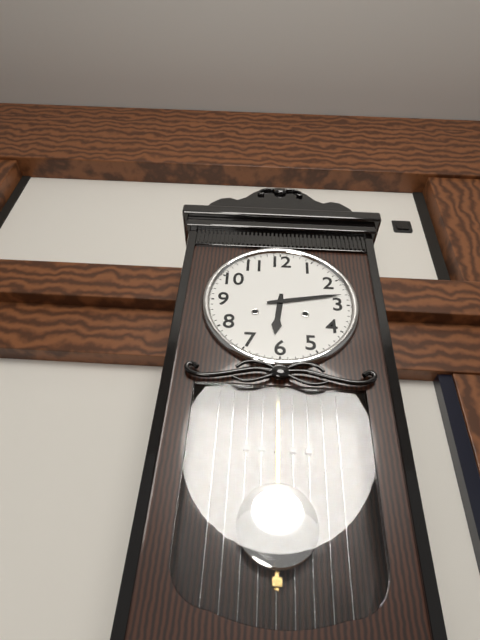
6:13
